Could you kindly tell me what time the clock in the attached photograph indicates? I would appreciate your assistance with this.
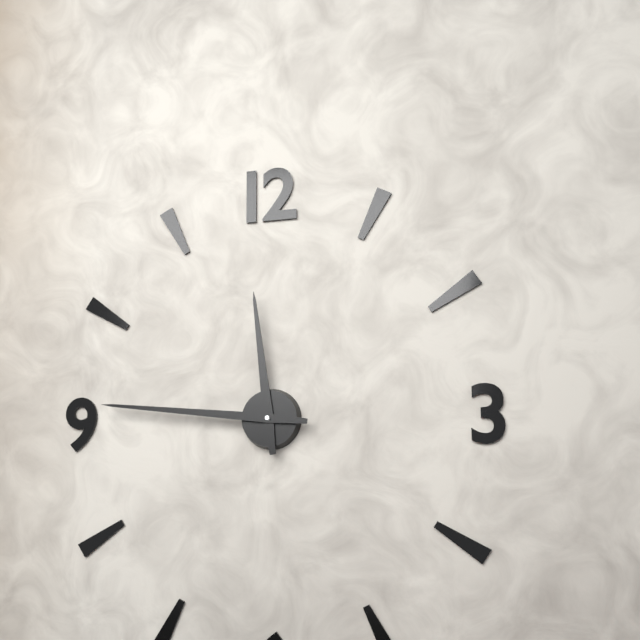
11:46
